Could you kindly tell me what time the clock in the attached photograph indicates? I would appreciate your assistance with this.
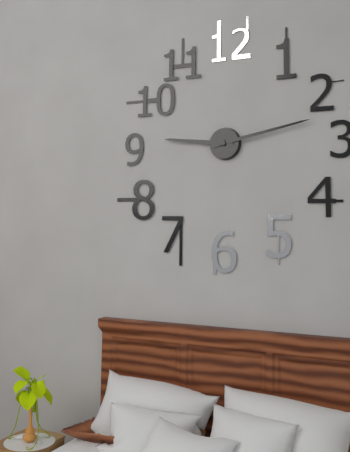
9:13
